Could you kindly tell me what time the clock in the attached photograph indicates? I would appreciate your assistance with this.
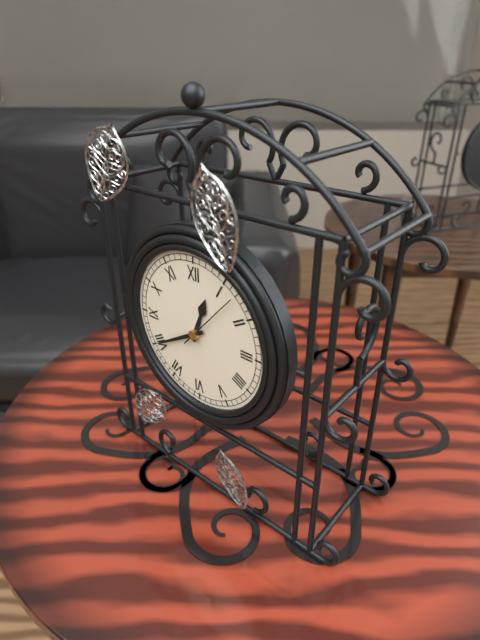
12:40:07
